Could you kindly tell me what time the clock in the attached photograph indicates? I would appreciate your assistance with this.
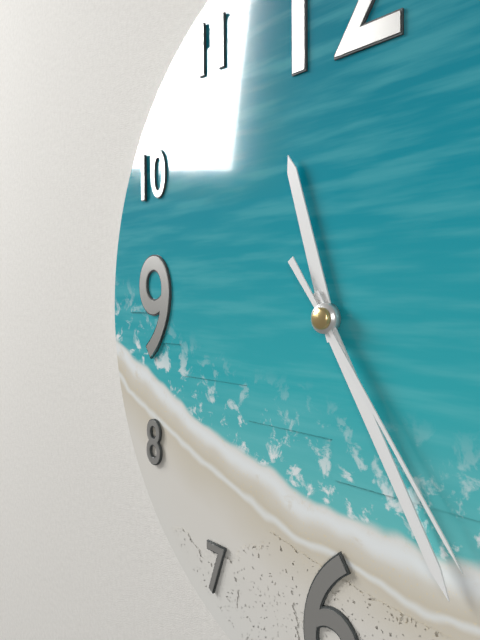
11:25:24
